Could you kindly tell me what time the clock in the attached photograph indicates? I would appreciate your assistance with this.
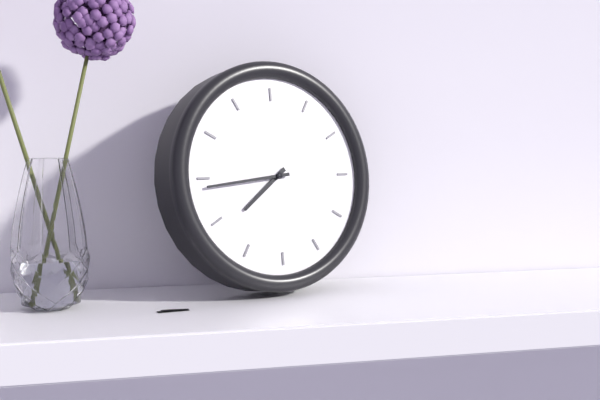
7:44
